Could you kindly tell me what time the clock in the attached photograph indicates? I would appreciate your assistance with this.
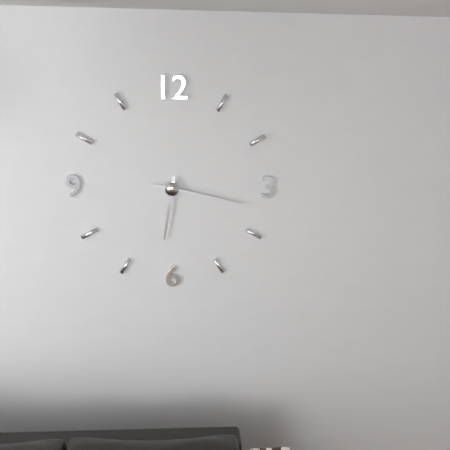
6:17
